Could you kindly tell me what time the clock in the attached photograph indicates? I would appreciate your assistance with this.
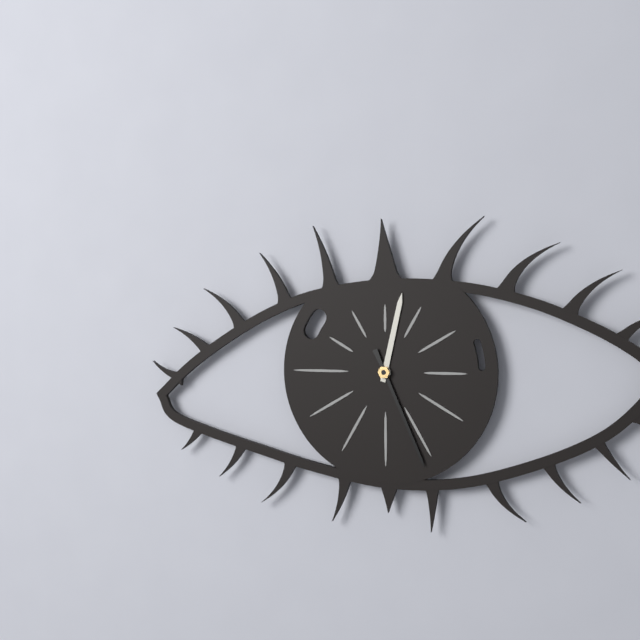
12:26
